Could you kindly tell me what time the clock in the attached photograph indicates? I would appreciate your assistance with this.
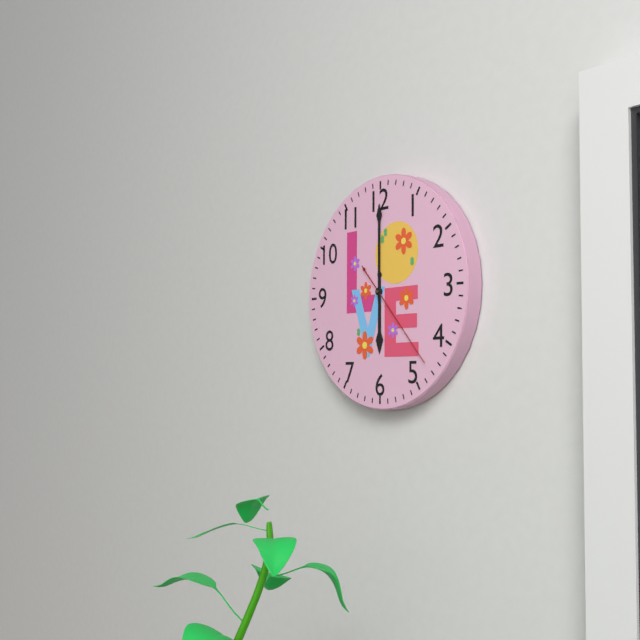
6:00:23
